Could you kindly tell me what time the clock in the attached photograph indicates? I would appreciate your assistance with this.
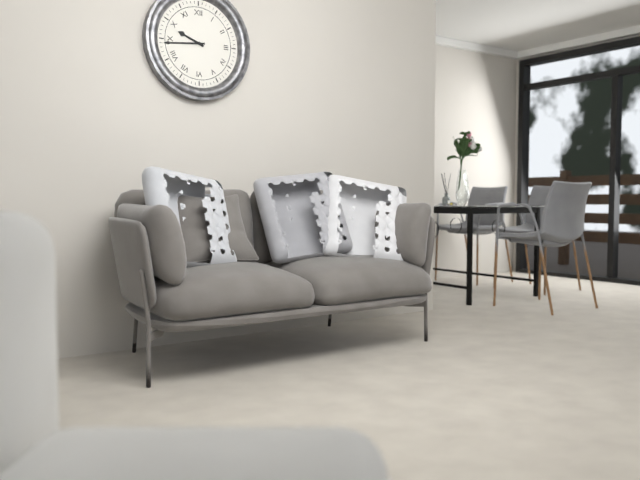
9:44
